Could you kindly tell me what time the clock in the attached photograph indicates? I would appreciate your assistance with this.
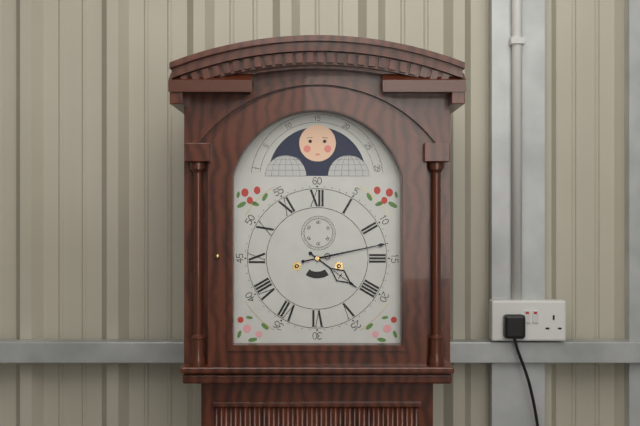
4:13
